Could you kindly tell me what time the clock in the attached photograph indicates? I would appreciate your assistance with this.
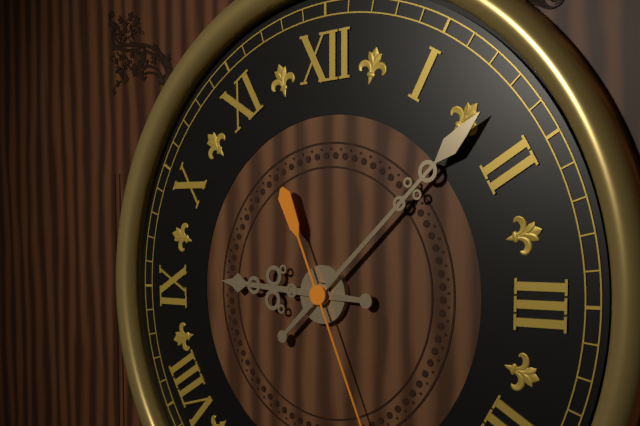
9:08
